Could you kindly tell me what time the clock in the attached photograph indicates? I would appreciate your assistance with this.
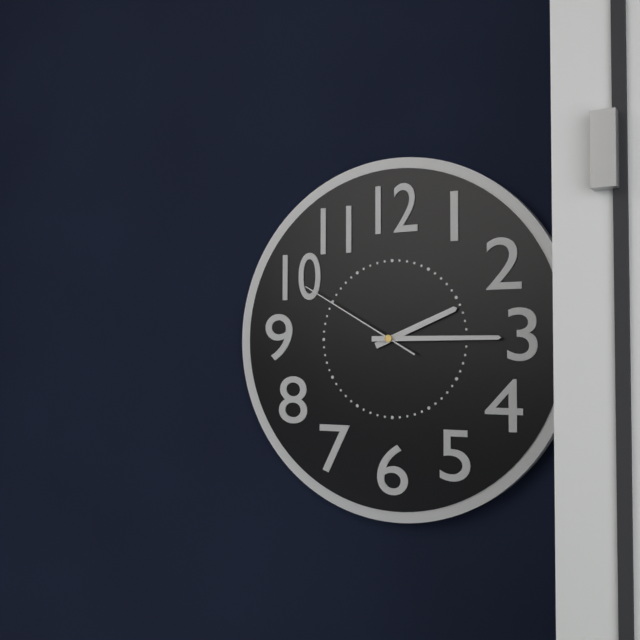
2:15:50
